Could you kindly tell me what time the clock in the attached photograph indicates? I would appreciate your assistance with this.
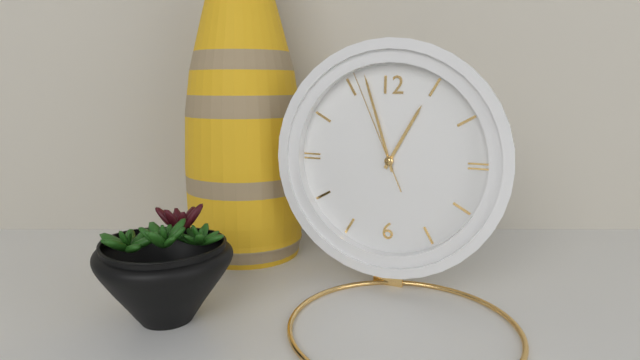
12:57:56
